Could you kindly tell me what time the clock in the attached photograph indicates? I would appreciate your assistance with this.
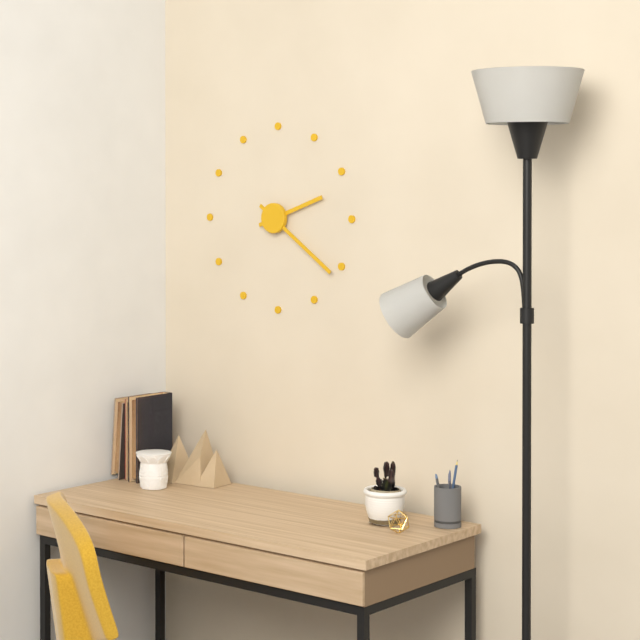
2:21
